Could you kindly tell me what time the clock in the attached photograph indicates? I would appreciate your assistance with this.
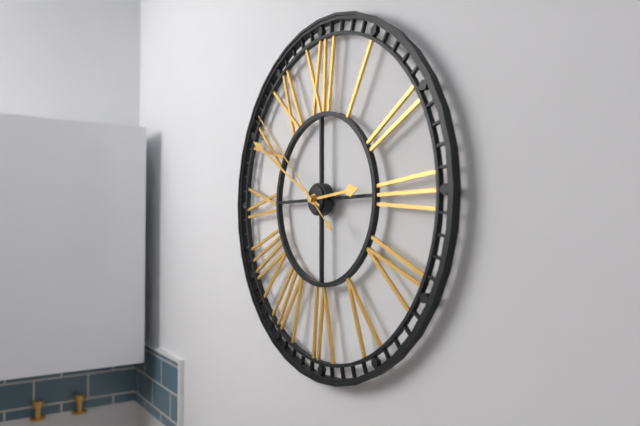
2:50:52
